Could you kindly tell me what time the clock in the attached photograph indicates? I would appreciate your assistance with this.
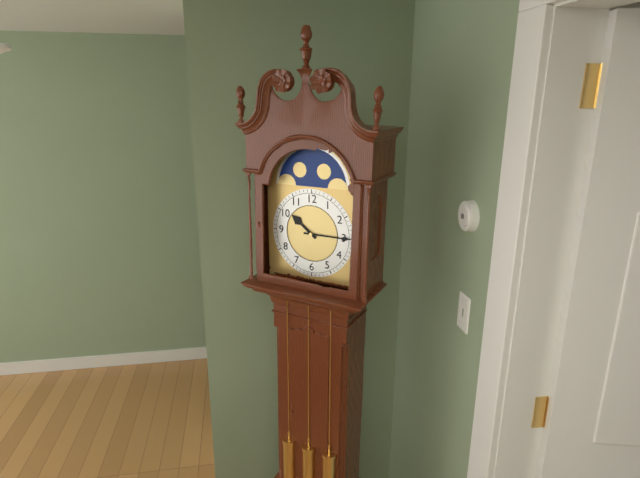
10:15
